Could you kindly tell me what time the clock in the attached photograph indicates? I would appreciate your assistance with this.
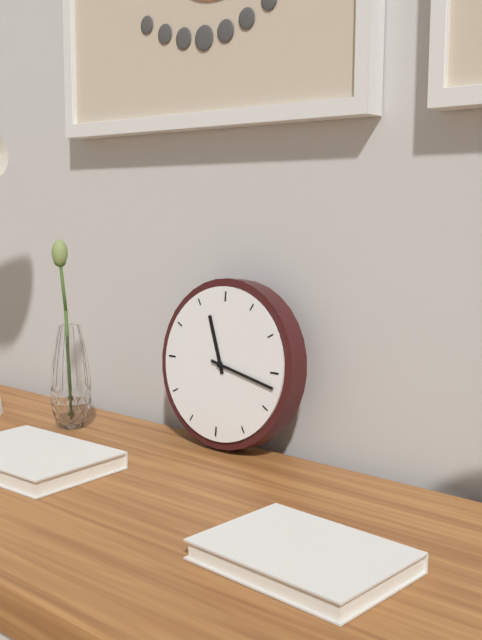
11:17
